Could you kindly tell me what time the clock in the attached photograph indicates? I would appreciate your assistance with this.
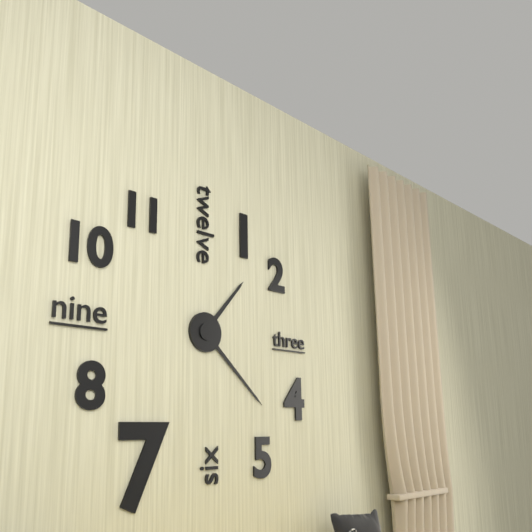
1:22
